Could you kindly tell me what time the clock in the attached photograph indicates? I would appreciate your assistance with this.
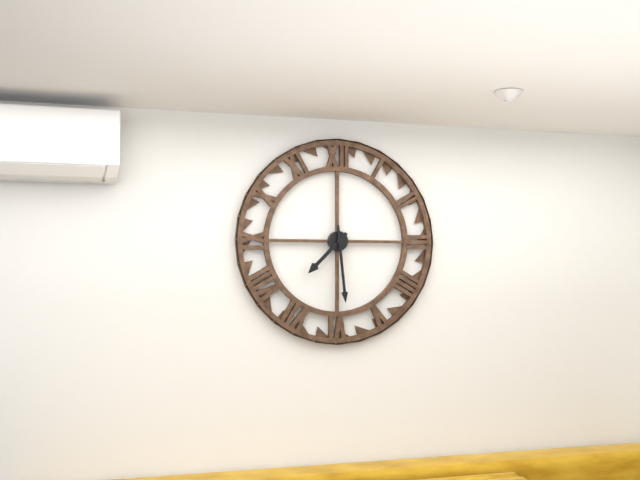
7:29
